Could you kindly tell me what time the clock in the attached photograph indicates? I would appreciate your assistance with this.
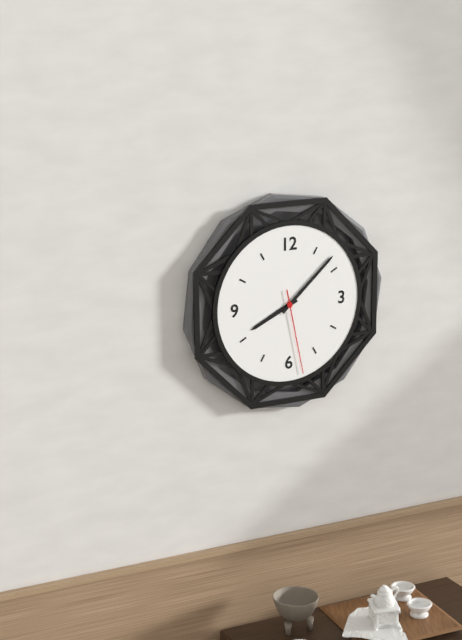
8:08:28
